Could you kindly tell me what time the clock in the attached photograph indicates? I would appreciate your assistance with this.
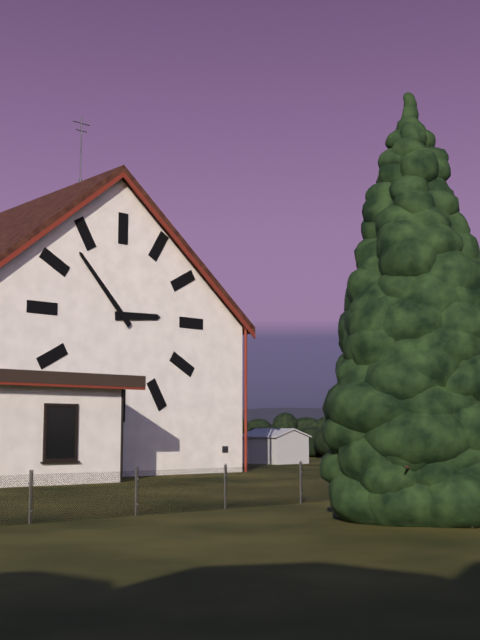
2:53
